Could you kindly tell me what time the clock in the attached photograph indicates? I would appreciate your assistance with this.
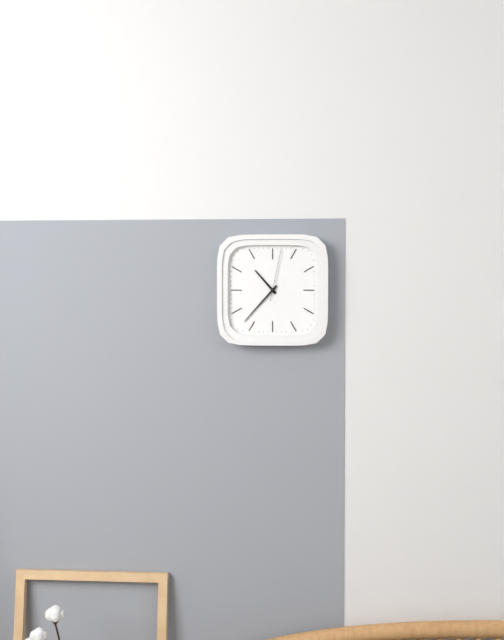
10:37:02
